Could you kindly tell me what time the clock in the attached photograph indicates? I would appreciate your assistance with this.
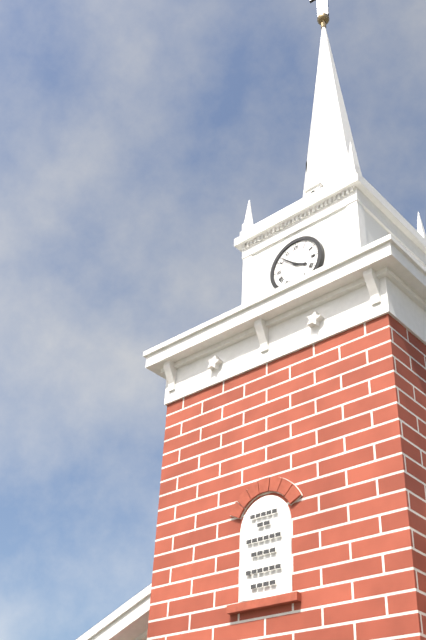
3:52
